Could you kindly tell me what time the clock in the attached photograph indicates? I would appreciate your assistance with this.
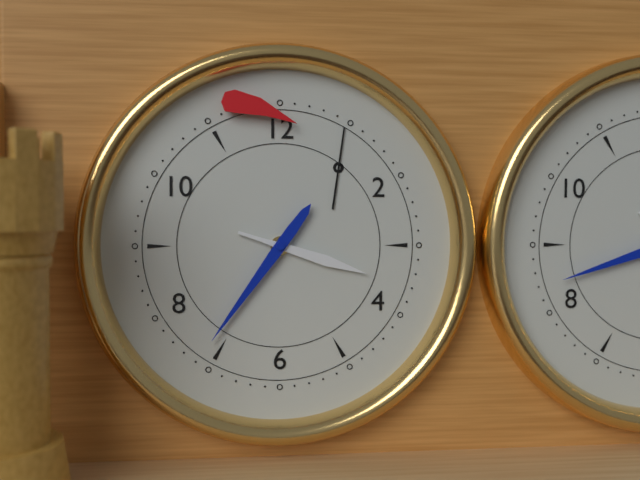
3:36
